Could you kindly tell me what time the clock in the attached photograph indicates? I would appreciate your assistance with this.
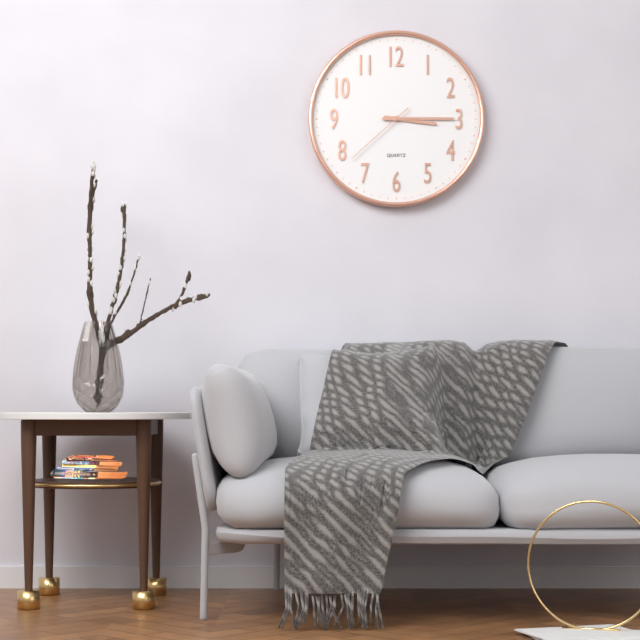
3:15:38
